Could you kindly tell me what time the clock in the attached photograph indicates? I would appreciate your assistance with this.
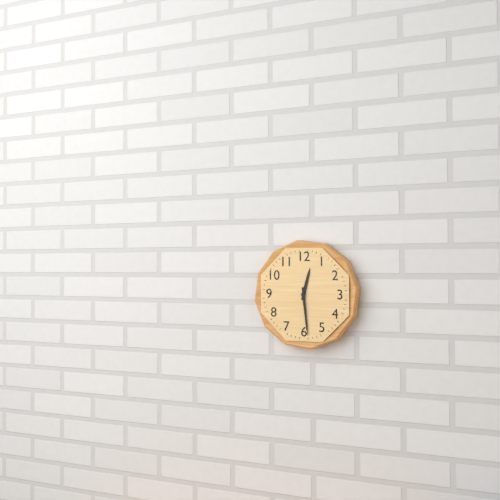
12:29
